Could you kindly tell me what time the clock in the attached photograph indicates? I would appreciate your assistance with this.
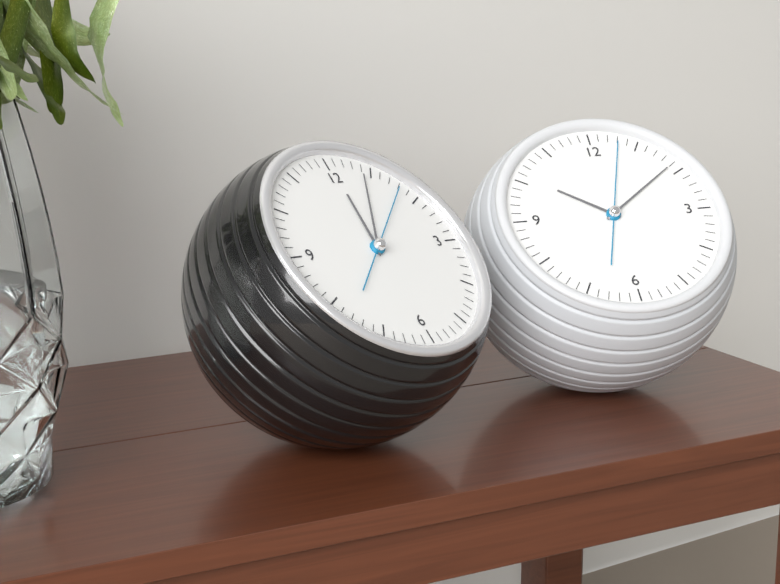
12:04:08
